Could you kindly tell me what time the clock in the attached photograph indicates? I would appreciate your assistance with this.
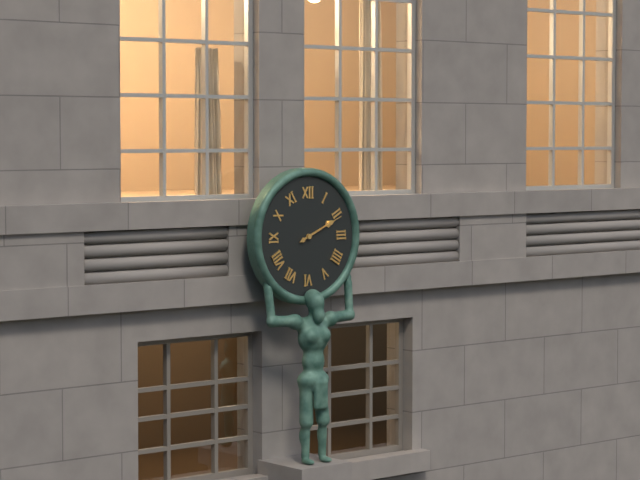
2:11
